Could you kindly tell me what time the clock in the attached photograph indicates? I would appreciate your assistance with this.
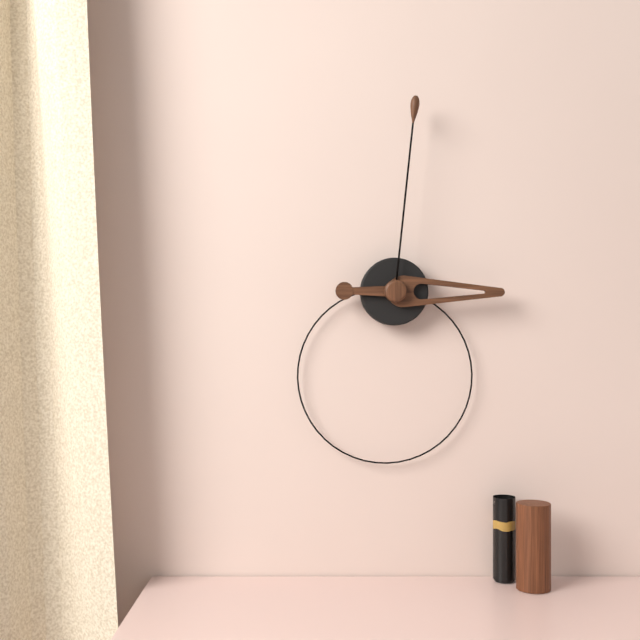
3:01
